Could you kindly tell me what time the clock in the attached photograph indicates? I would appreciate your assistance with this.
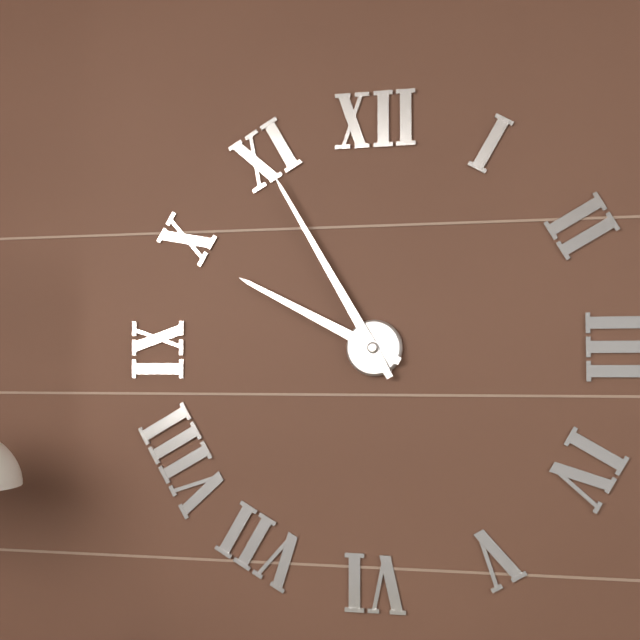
9:55
